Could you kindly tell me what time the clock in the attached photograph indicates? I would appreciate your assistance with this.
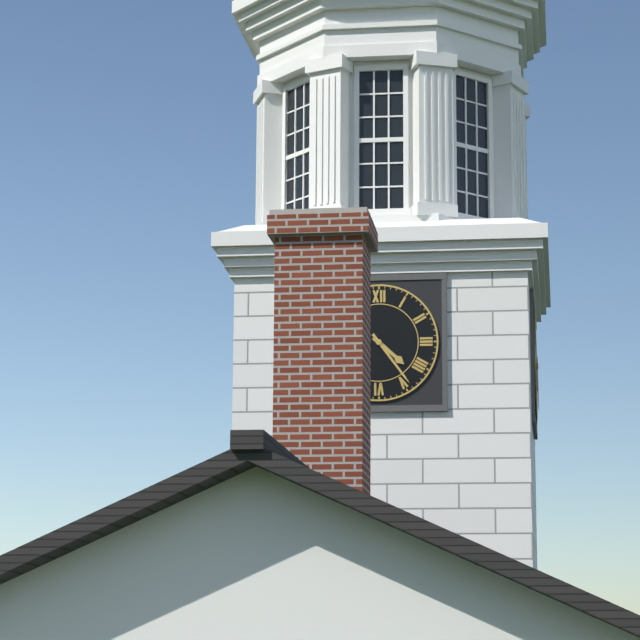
4:24
